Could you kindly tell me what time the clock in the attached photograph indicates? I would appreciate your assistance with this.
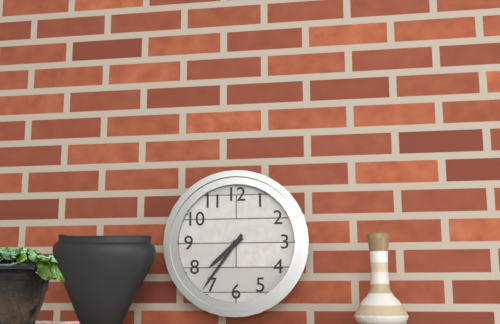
7:36
